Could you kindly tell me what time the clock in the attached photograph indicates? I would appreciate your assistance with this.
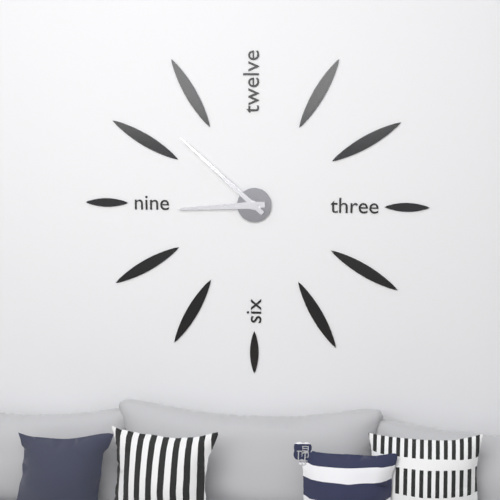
8:52
